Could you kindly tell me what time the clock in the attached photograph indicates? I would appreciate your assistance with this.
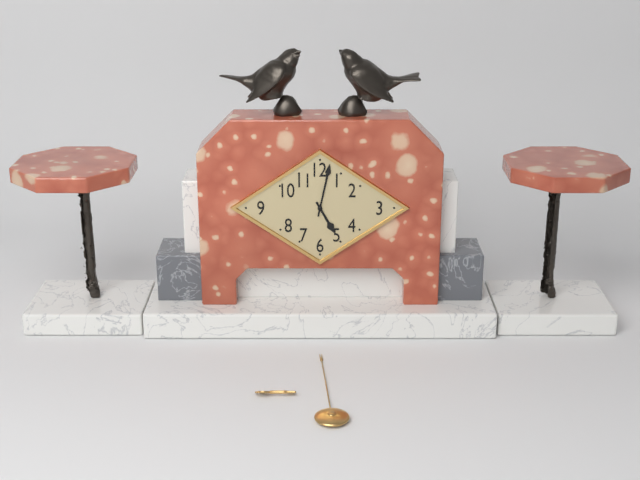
5:02
